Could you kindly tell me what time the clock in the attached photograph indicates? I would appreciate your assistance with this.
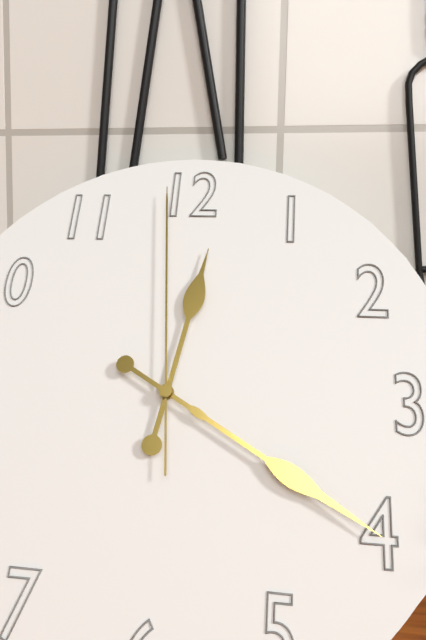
12:20:59
